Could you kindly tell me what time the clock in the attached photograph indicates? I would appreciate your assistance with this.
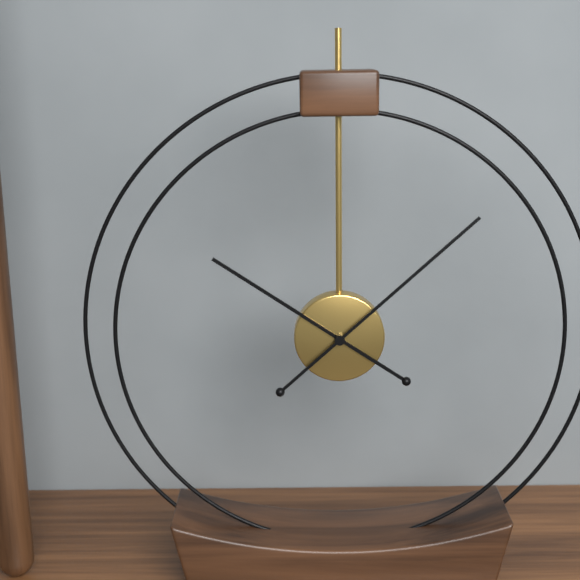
10:08
